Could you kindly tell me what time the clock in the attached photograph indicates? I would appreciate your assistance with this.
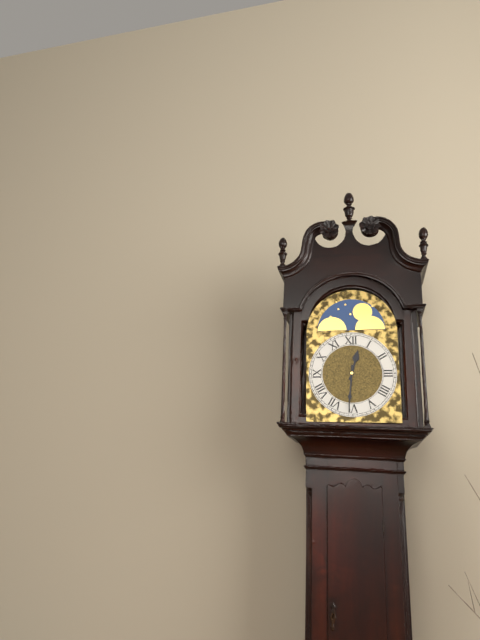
12:31
